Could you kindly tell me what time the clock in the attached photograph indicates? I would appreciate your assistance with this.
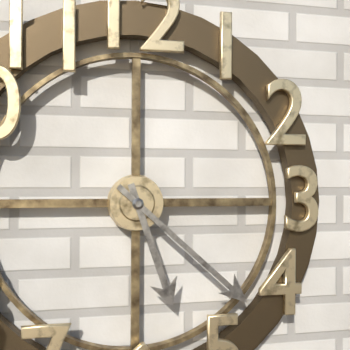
5:22
